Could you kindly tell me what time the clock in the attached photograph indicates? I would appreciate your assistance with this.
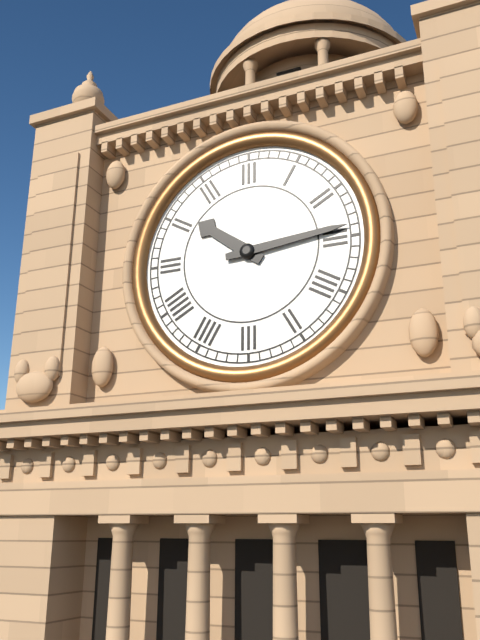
10:14
